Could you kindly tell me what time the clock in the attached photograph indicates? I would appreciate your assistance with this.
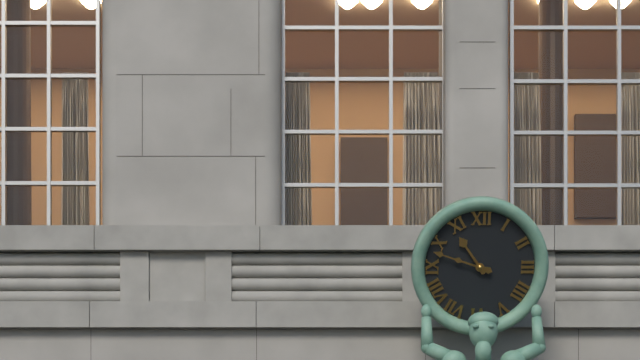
10:48
